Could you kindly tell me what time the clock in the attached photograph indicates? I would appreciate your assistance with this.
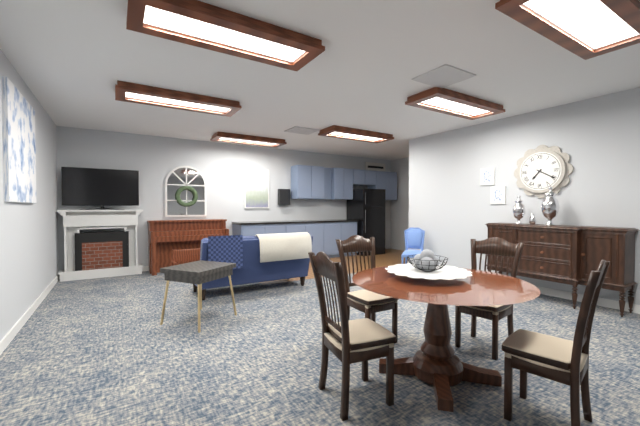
7:20
